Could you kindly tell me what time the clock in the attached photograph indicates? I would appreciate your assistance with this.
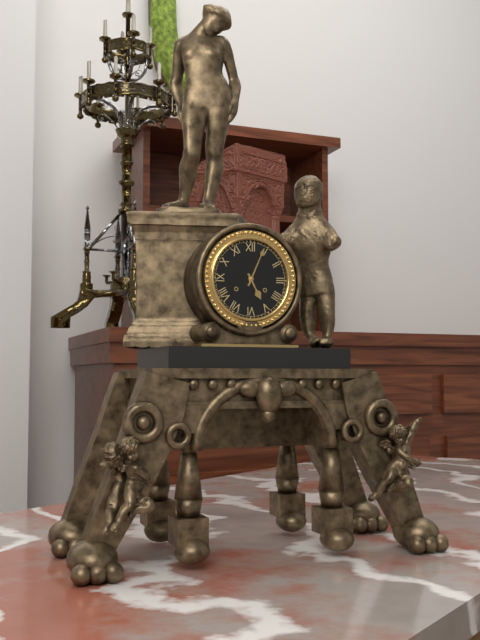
5:04
